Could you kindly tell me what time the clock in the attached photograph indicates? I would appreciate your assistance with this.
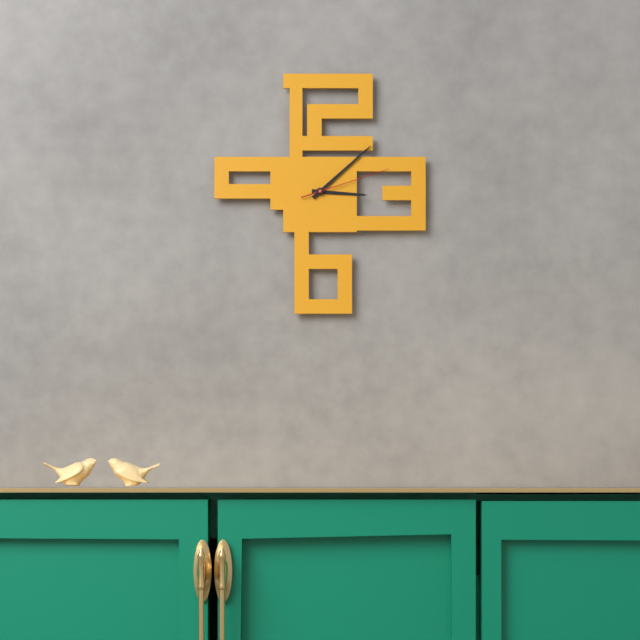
3:08:12
